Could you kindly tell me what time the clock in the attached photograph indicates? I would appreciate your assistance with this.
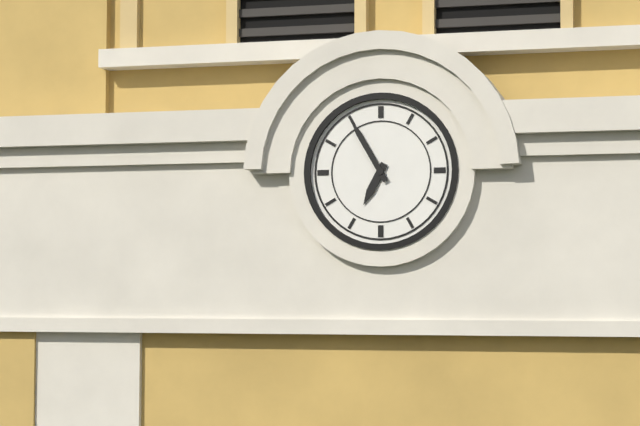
6:55
